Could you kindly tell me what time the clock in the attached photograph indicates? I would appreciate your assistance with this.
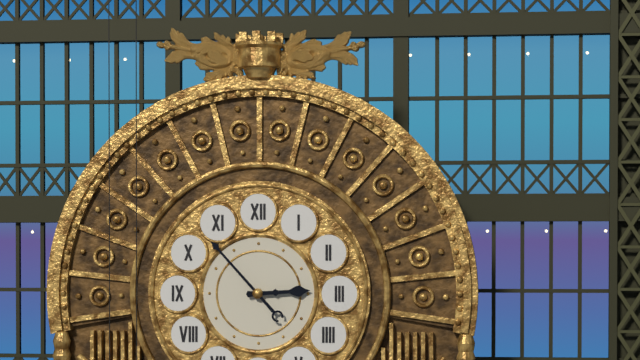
2:53
